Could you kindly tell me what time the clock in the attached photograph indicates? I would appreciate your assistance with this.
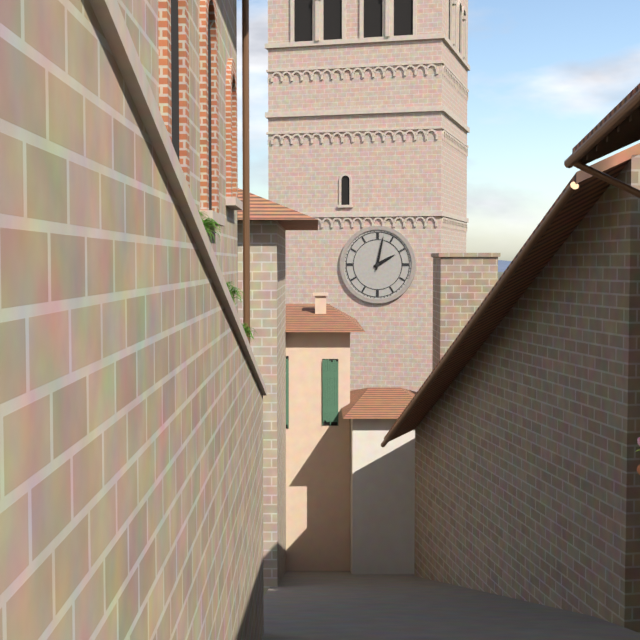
2:02
